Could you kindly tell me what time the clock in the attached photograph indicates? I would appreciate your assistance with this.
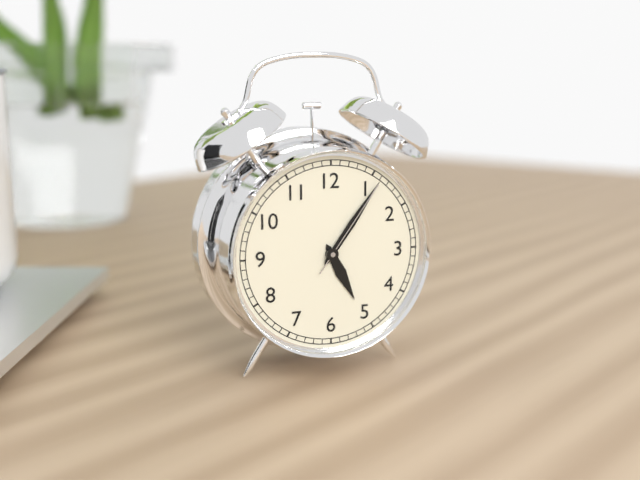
5:06:06
